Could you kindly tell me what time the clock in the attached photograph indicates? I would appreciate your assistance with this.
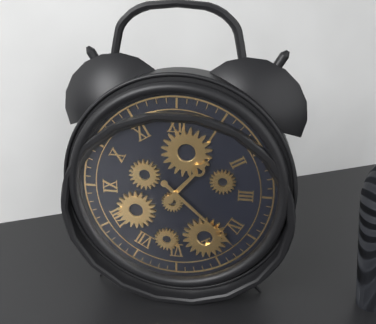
1:22
